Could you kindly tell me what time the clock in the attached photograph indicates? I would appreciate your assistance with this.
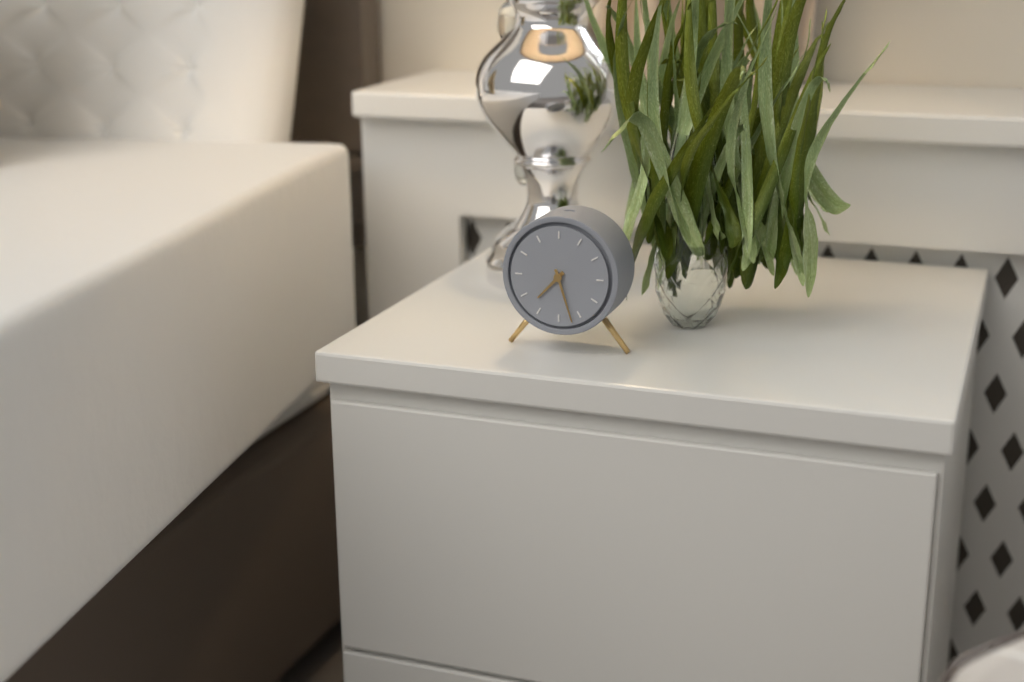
7:27
